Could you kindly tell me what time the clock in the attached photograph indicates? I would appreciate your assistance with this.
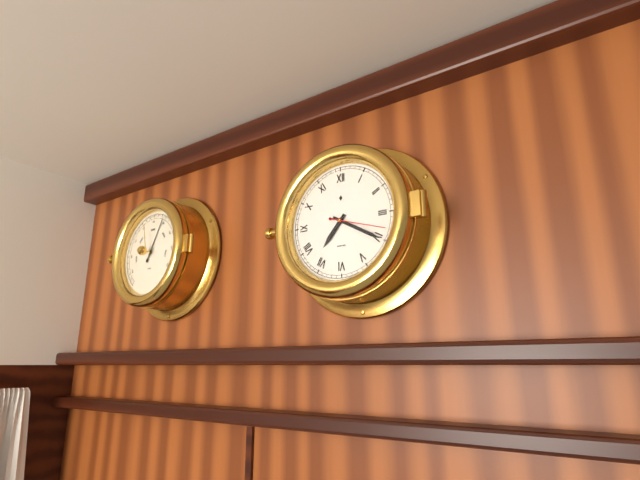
7:20
